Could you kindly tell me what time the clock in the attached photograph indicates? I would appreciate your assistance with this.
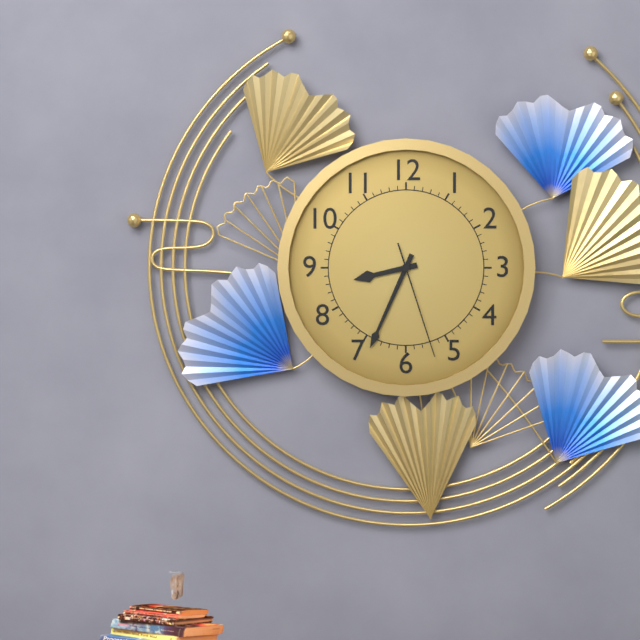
8:34:27
